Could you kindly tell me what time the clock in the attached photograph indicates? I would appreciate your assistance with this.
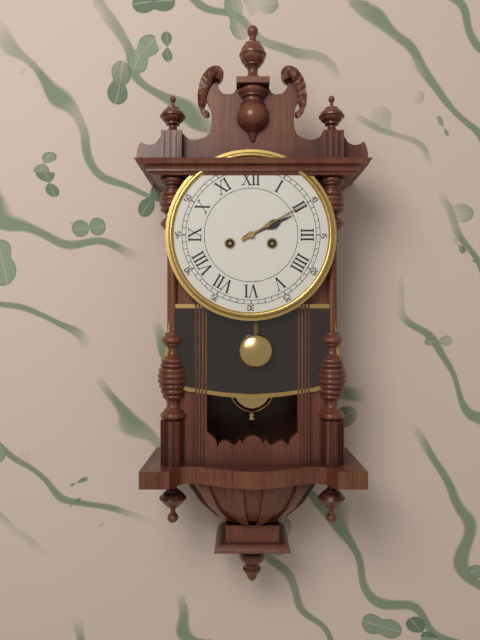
2:10
